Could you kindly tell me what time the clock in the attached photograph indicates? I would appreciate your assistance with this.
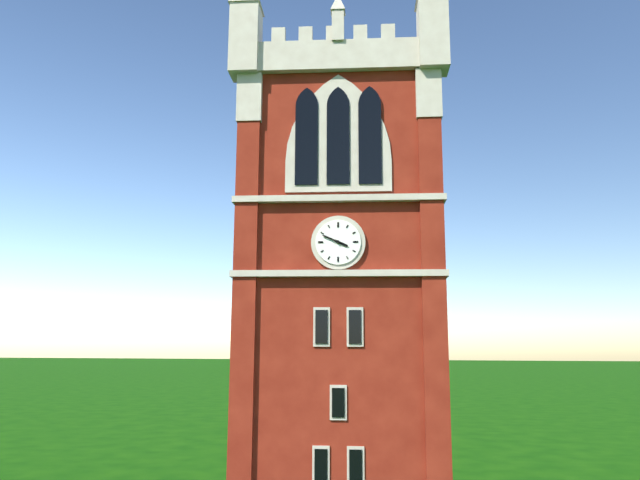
3:49
